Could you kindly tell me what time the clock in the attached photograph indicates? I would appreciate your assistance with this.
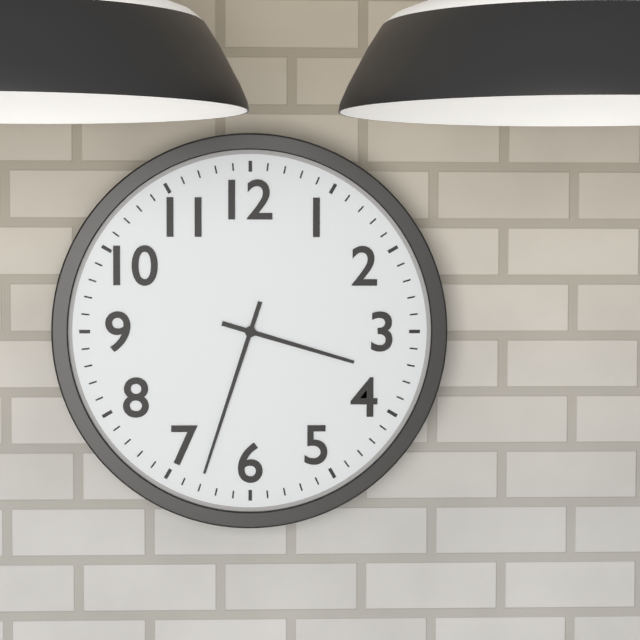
3:33
